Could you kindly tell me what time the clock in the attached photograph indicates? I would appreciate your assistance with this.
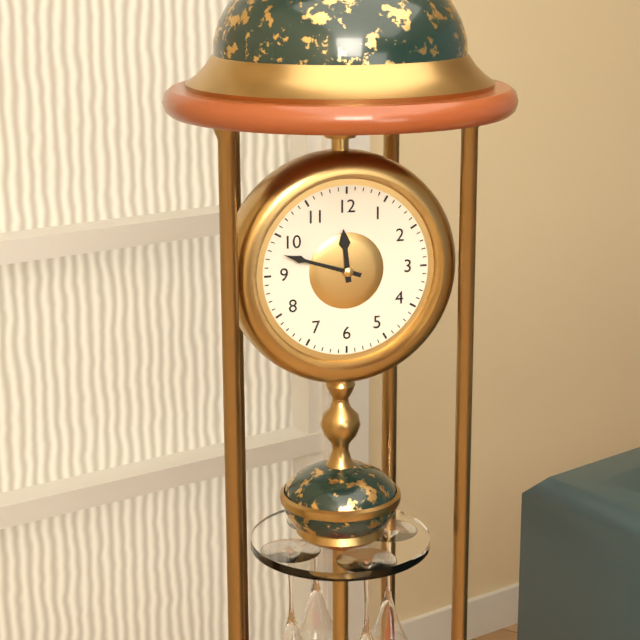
11:48
